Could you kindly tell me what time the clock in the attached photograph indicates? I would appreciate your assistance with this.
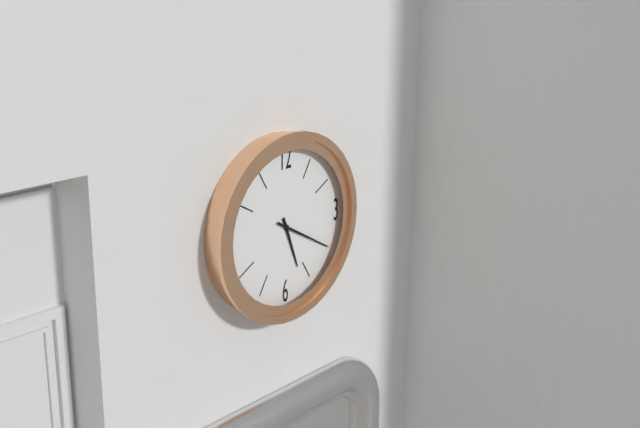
5:20
